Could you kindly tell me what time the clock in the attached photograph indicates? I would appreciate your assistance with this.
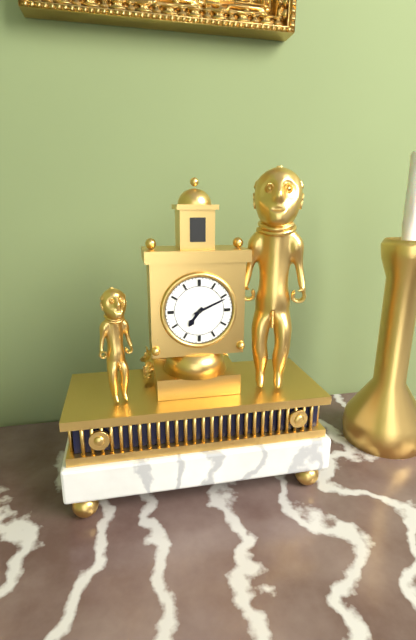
7:11
